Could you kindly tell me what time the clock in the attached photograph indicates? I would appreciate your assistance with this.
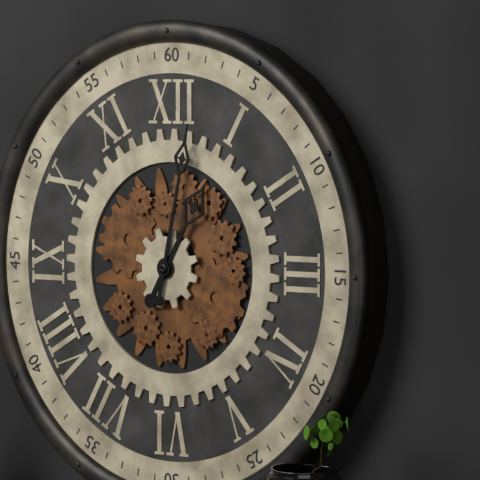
1:02
